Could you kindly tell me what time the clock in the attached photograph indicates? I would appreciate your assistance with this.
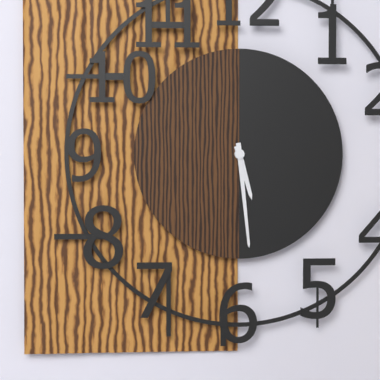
5:29
